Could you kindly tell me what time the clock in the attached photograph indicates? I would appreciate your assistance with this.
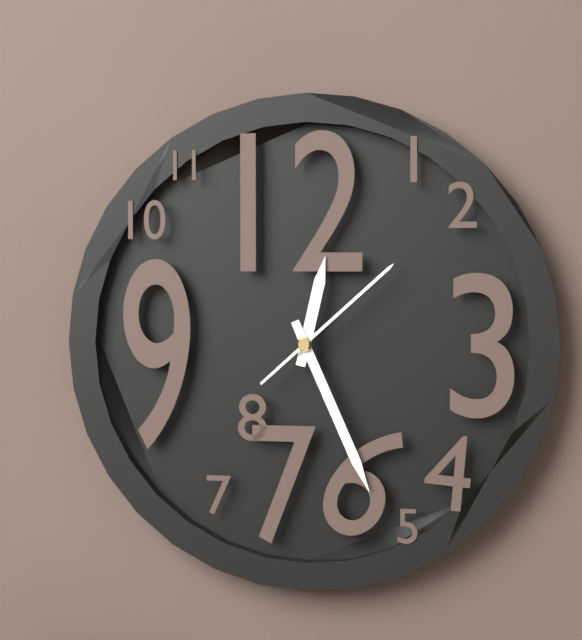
12:26:08
